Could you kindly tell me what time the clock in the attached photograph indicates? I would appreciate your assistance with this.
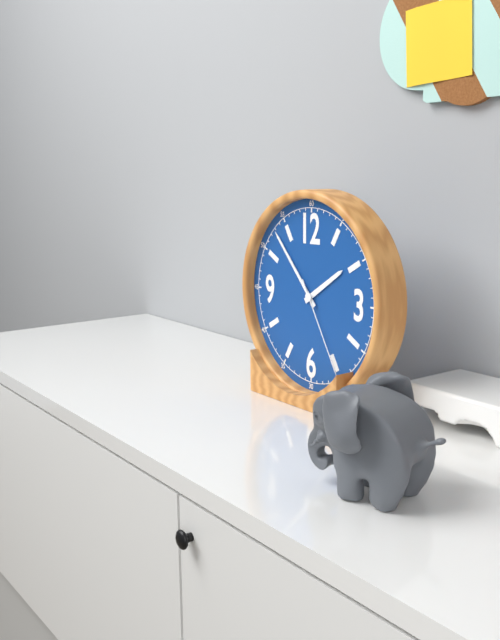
1:53:25
